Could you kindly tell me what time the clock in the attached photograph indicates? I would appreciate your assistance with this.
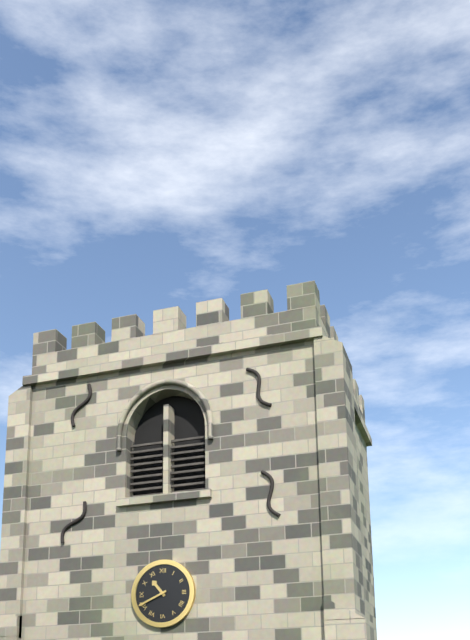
10:41
